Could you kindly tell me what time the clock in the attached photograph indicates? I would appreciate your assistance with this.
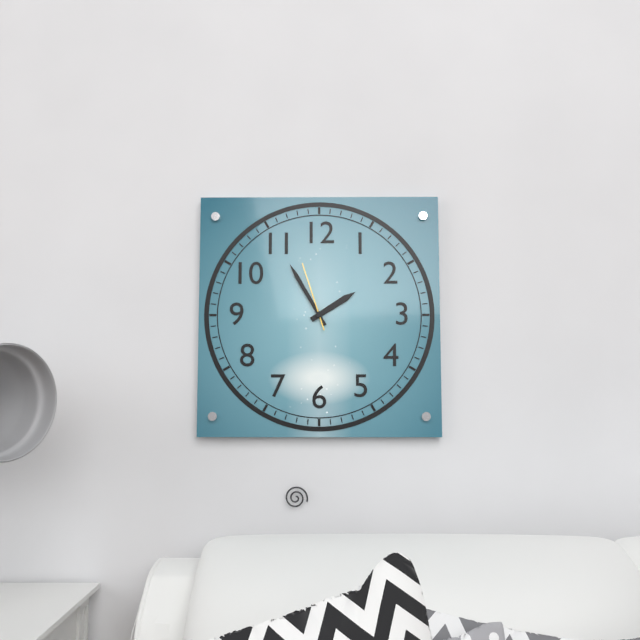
1:55:57
